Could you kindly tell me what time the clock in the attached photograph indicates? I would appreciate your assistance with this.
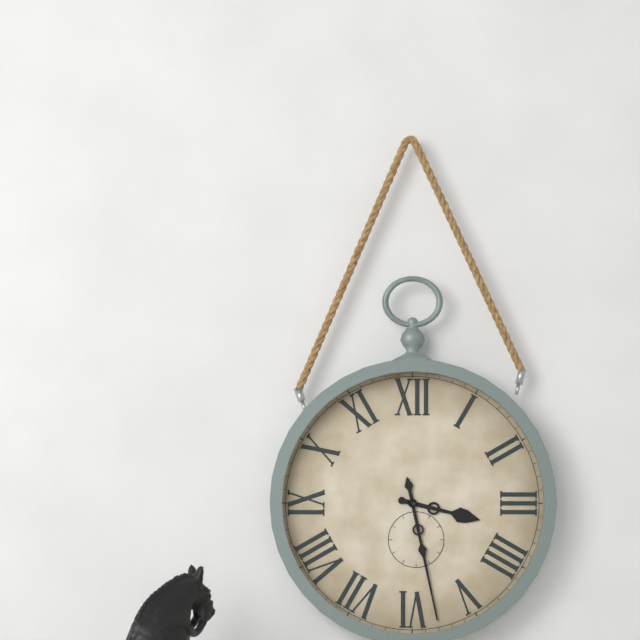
3:28
